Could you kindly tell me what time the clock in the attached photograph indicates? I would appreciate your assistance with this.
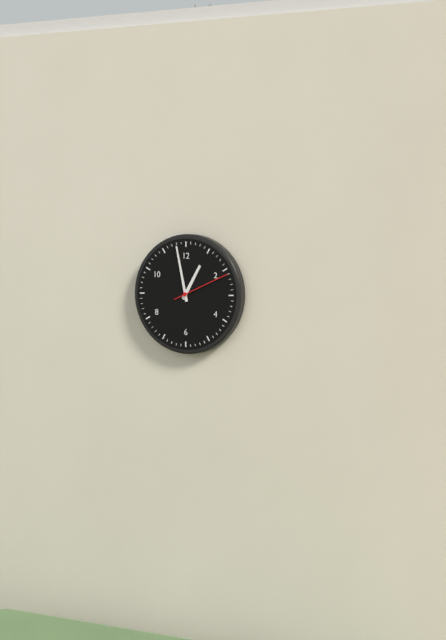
12:58:11
